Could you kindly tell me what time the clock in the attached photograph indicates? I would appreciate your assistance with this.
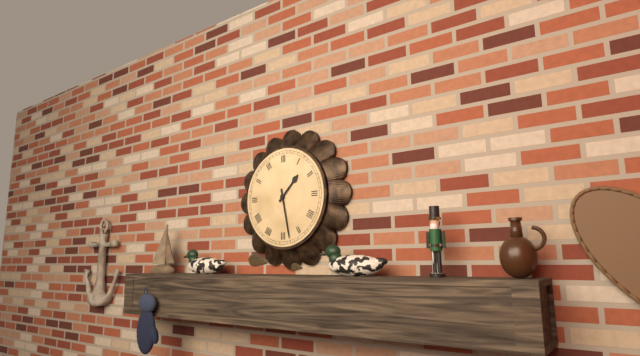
1:28
